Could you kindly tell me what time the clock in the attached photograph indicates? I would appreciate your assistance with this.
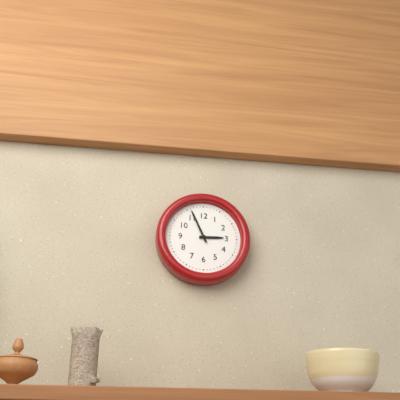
2:56
